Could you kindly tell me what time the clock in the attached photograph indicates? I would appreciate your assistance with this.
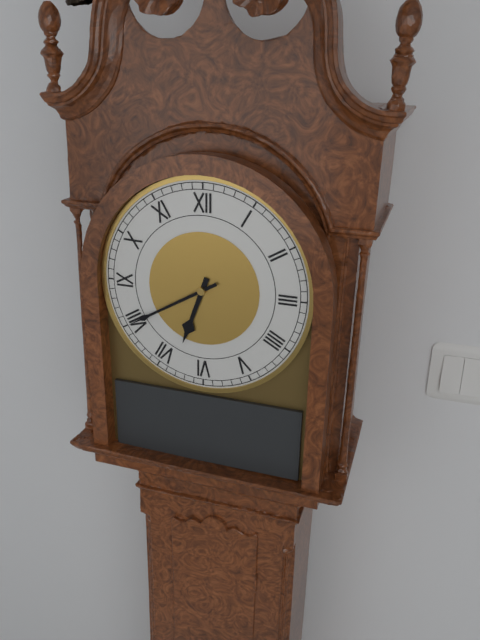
6:40
